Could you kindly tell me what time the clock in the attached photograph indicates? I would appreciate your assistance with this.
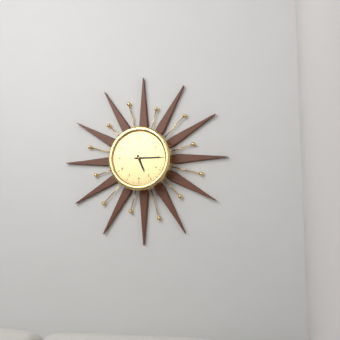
5:15
